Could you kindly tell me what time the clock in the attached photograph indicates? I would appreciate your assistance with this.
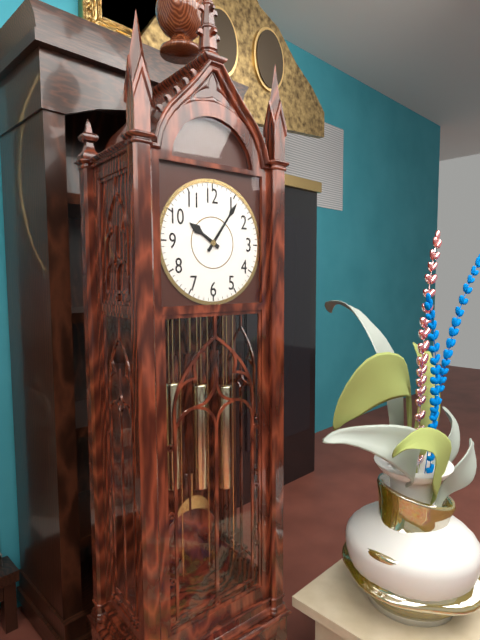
10:06
